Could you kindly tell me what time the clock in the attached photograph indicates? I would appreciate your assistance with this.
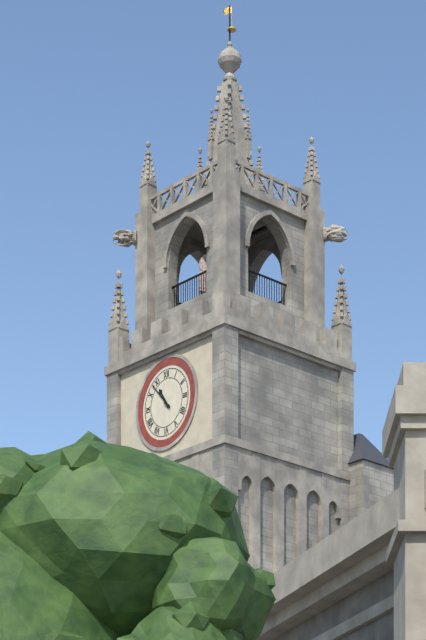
10:53
